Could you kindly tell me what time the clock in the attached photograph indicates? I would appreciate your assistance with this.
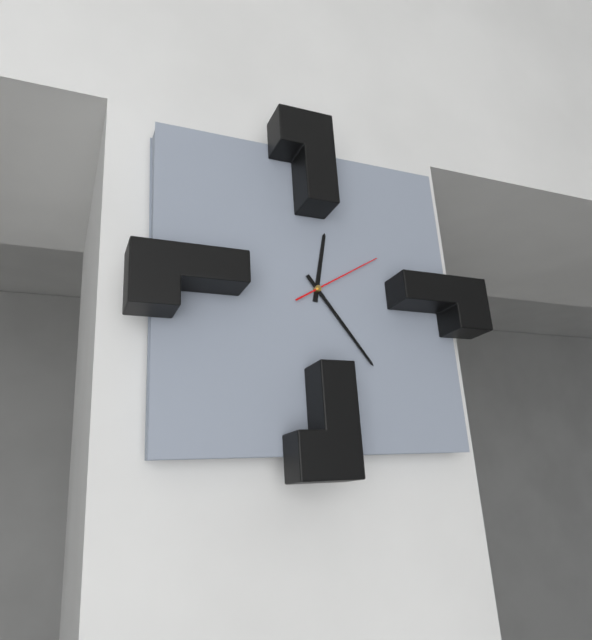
12:24:10
